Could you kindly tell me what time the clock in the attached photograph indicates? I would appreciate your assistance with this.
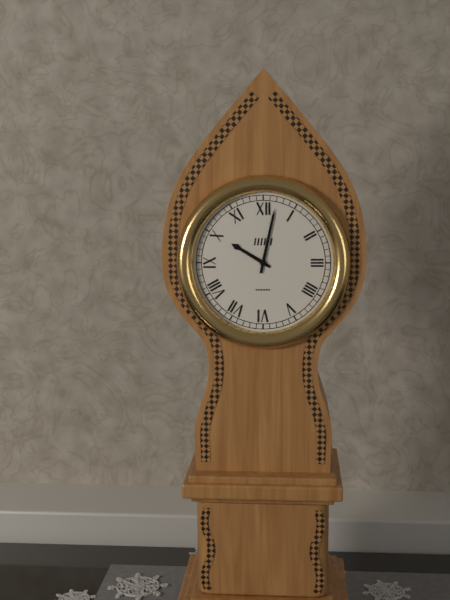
10:02
